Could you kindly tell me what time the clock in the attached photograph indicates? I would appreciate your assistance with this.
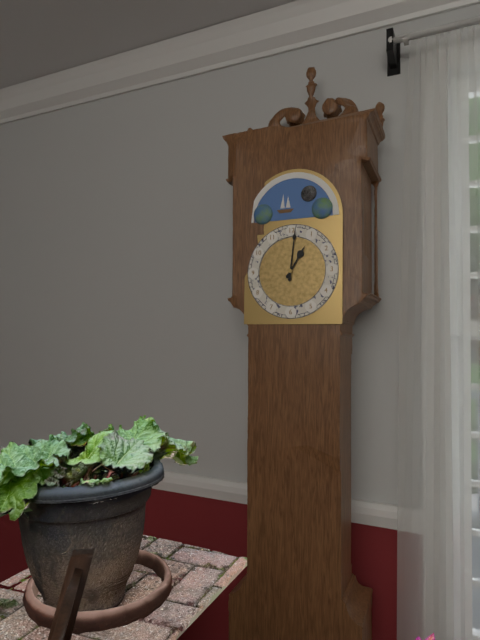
1:01
